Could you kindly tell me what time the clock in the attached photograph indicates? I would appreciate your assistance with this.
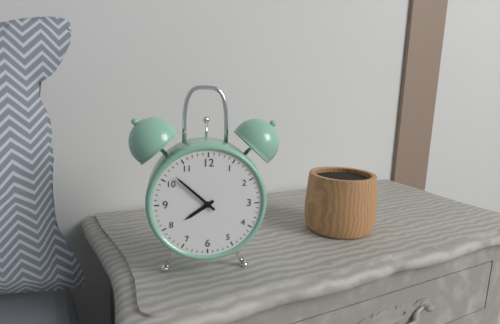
7:52
